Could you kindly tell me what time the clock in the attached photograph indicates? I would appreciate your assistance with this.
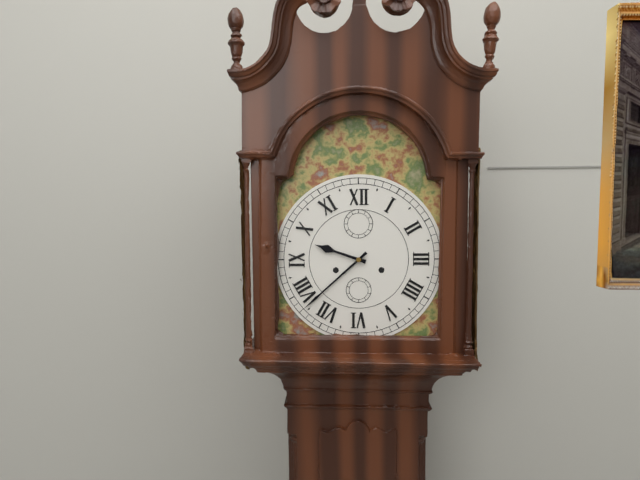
9:38
